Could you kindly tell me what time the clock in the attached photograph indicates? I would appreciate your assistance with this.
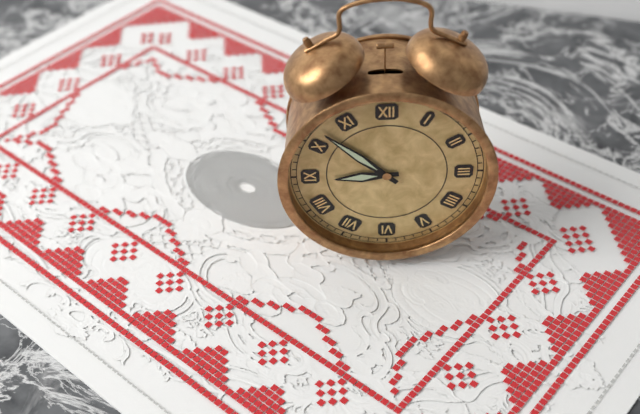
8:52
